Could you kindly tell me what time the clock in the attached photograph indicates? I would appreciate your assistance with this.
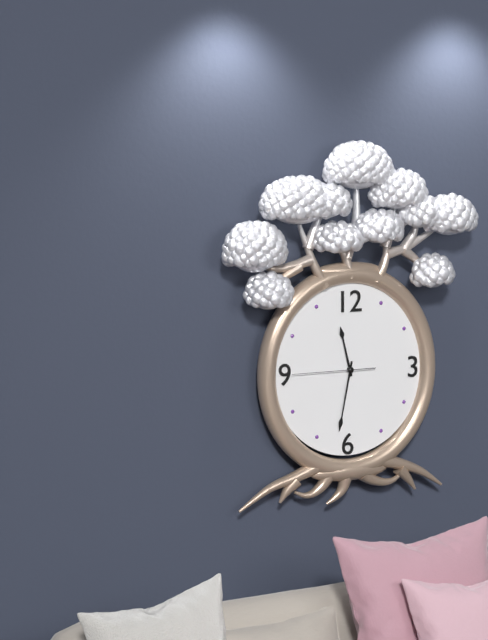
11:32:45
